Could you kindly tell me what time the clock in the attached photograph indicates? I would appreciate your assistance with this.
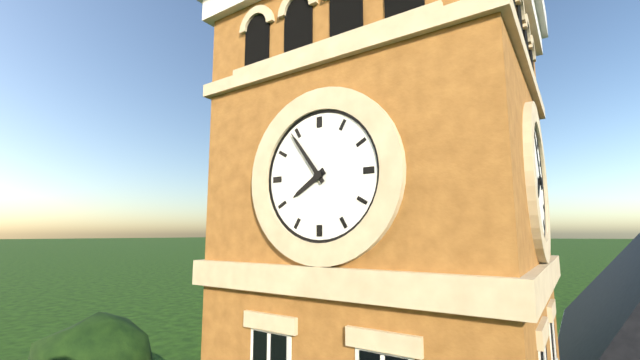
7:54
